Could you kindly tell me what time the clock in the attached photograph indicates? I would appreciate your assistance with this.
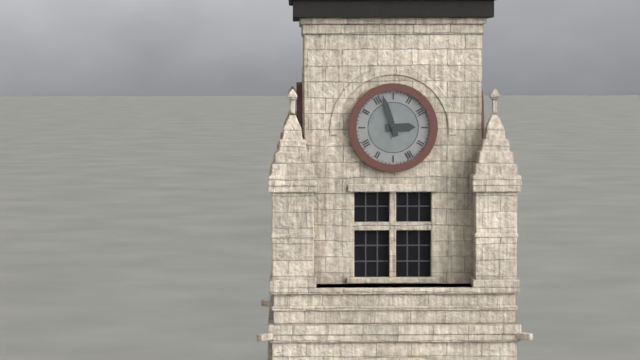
2:57
